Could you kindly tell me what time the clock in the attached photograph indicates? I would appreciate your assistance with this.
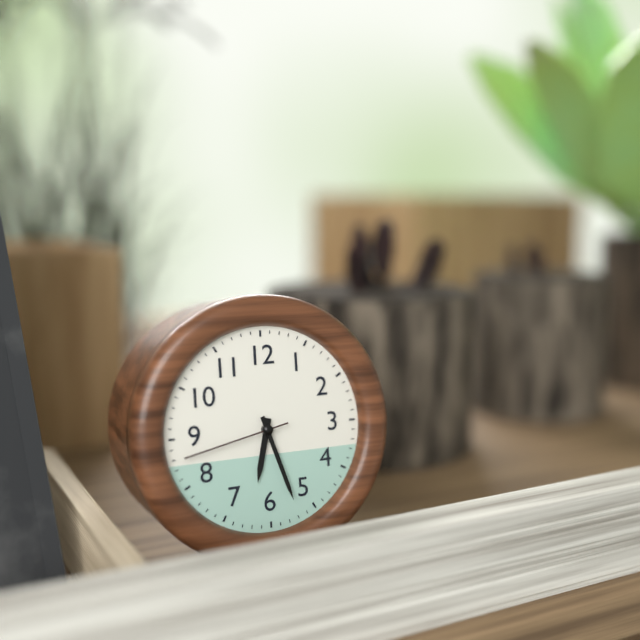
6:27:43
